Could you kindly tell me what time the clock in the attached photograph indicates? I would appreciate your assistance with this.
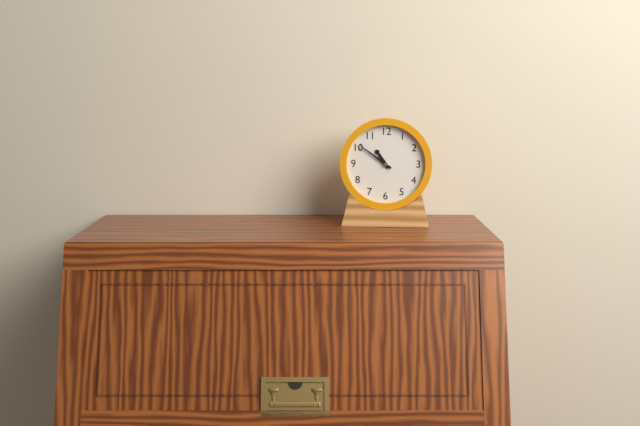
10:51
